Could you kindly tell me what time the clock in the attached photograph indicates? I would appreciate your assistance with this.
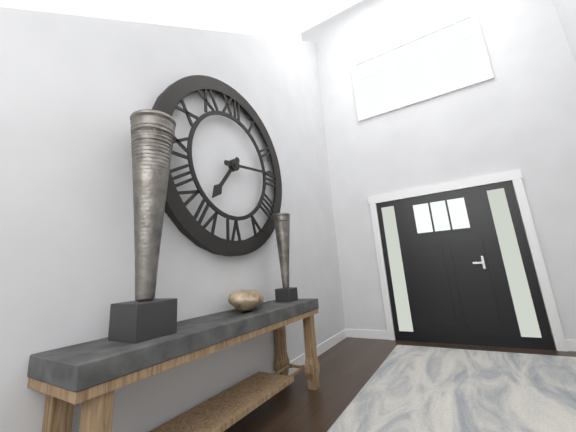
7:14
